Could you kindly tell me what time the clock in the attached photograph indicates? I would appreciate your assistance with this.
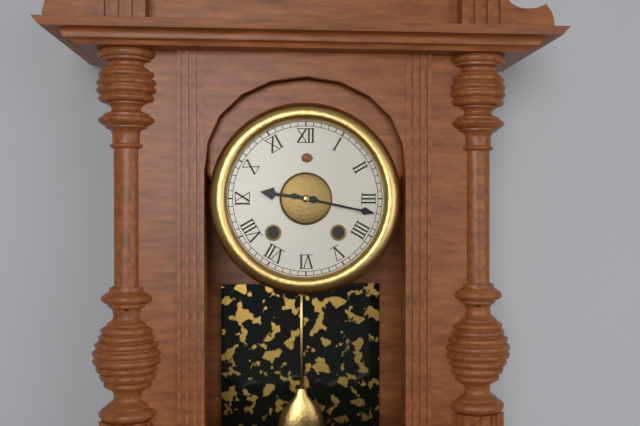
9:17
